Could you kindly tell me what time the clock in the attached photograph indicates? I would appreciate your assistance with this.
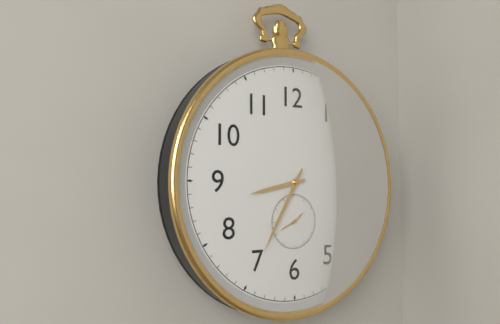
8:35
